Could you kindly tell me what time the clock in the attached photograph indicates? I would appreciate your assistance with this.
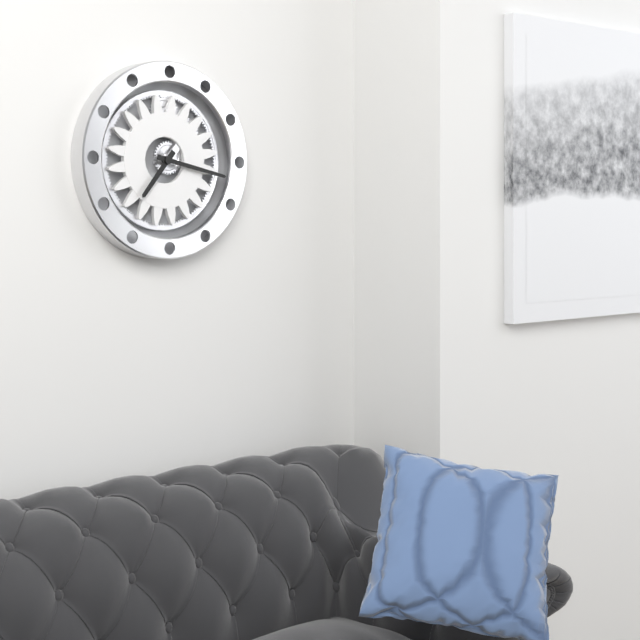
7:17
